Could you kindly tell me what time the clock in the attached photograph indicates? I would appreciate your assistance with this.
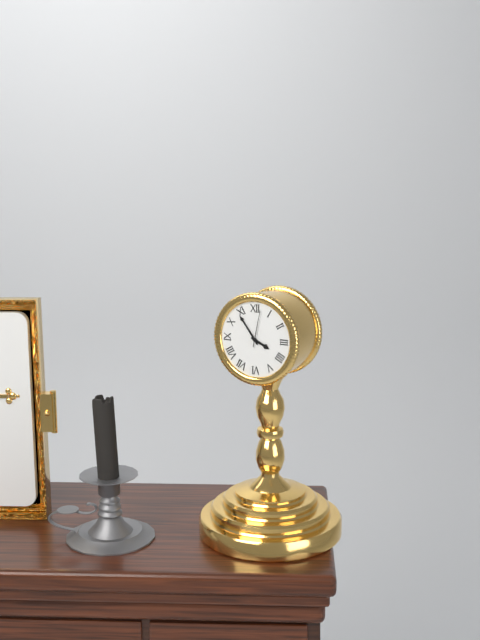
3:54
